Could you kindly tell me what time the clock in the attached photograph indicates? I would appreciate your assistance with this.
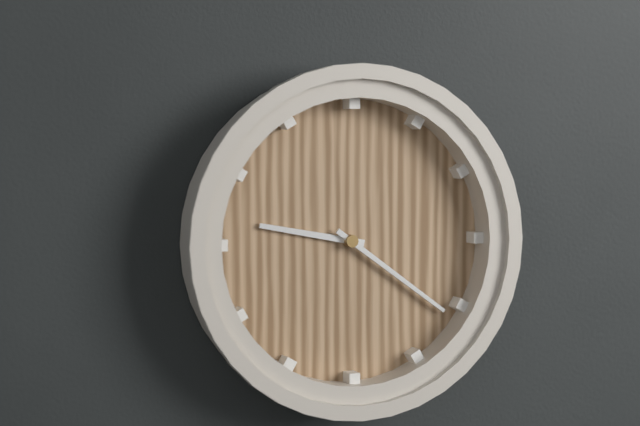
9:21
